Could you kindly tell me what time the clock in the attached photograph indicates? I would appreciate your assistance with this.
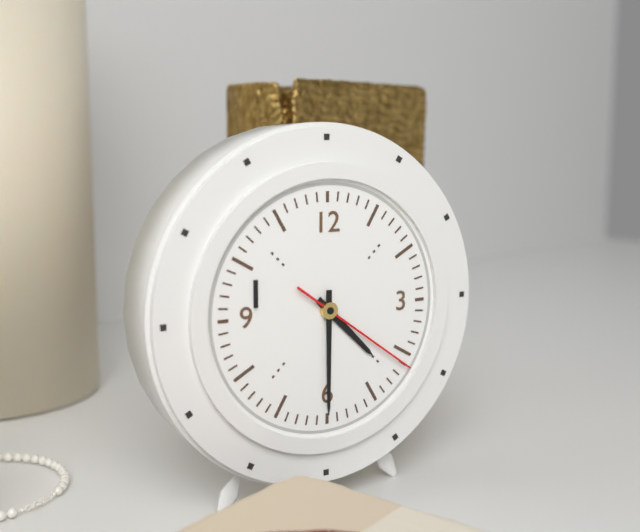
4:30:21
